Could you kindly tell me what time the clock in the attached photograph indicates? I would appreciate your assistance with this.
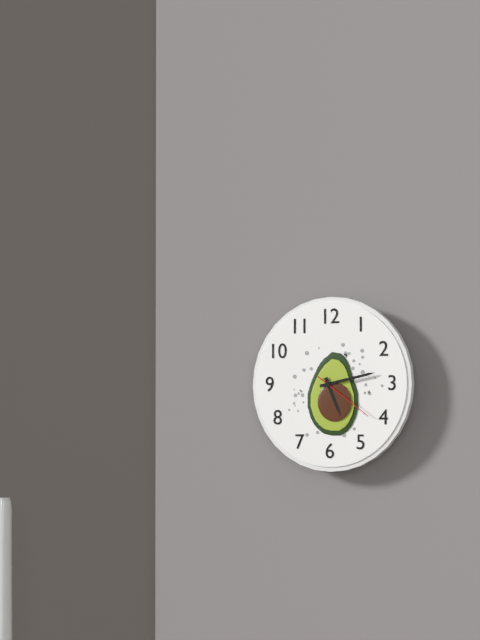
5:13:21
